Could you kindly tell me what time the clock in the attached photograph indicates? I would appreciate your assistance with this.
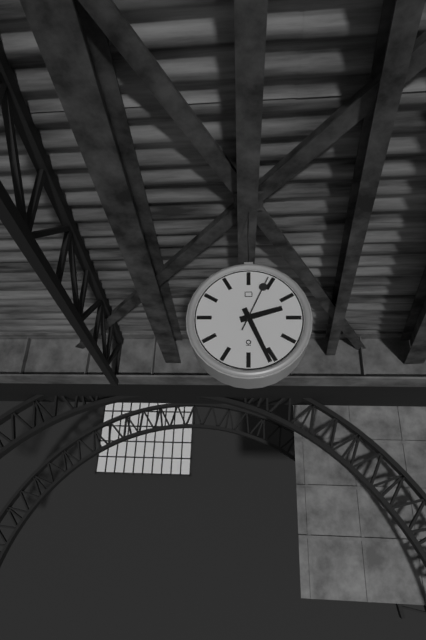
2:26:04
